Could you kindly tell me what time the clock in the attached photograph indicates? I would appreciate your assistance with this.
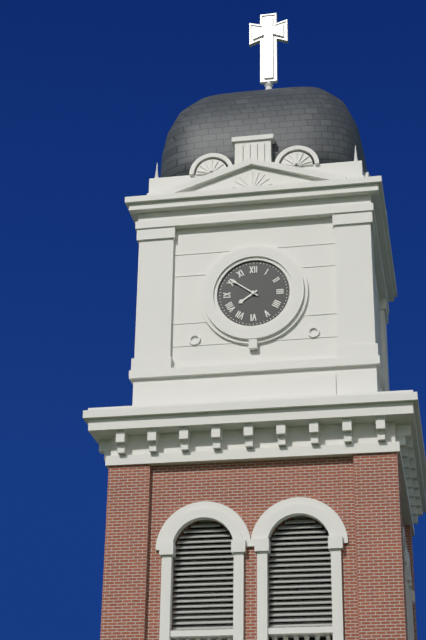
7:51
